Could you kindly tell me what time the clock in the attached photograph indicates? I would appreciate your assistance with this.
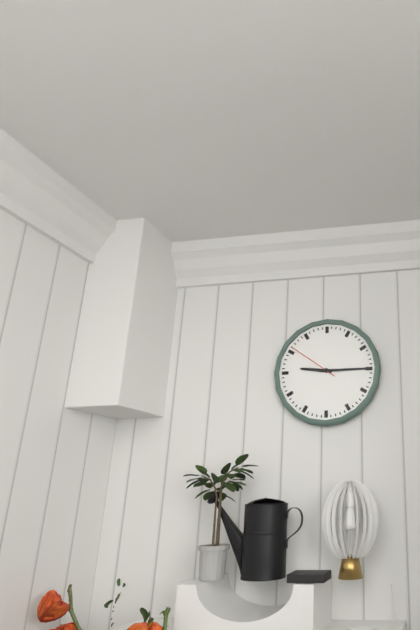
9:15:51
